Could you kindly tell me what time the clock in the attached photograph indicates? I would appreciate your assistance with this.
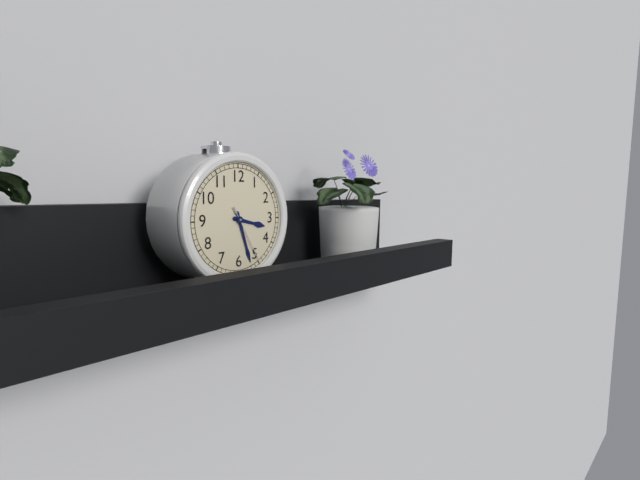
3:27:25
